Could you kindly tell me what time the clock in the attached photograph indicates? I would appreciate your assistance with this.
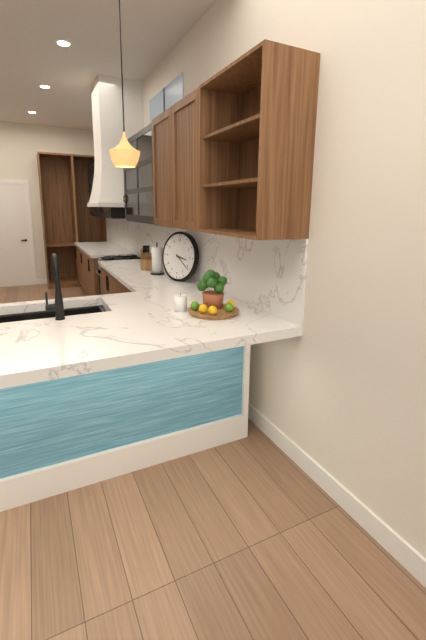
3:21
